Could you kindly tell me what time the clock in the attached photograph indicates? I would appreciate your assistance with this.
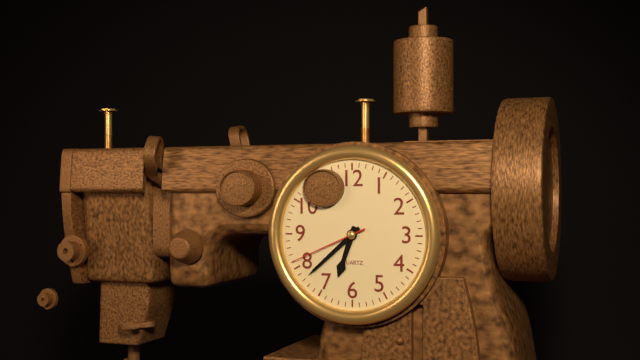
6:38:41
